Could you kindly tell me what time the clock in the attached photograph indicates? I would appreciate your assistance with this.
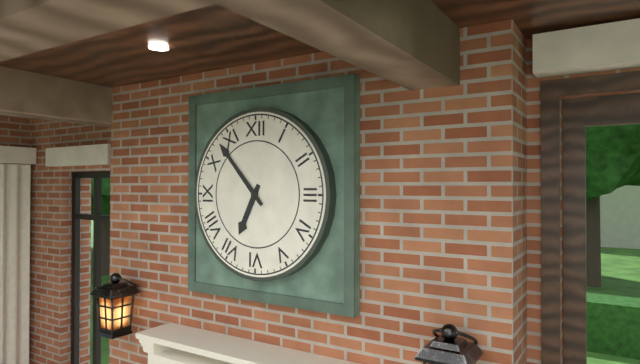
6:53
